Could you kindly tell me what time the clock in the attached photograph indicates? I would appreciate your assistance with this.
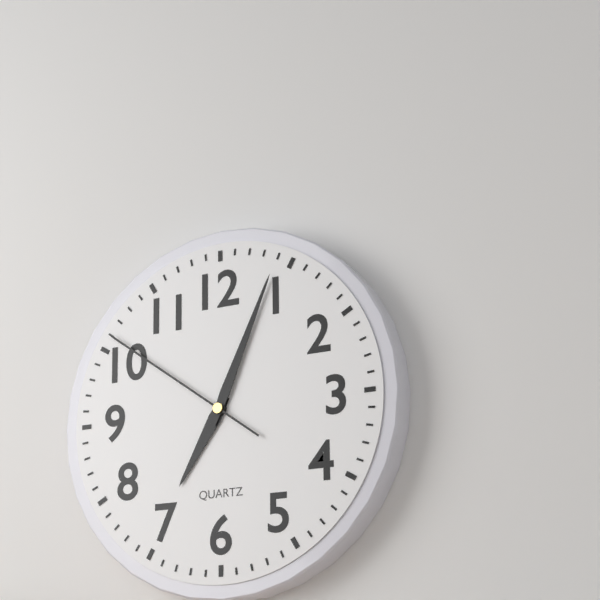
7:04:51
